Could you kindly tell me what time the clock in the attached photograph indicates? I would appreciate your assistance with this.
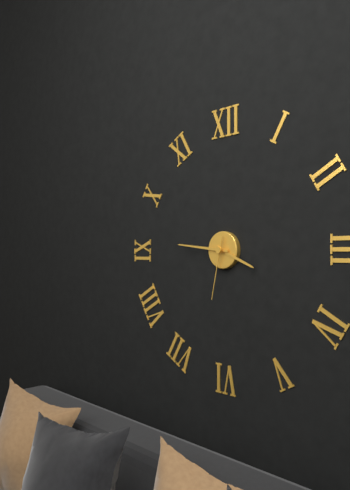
3:46:32
